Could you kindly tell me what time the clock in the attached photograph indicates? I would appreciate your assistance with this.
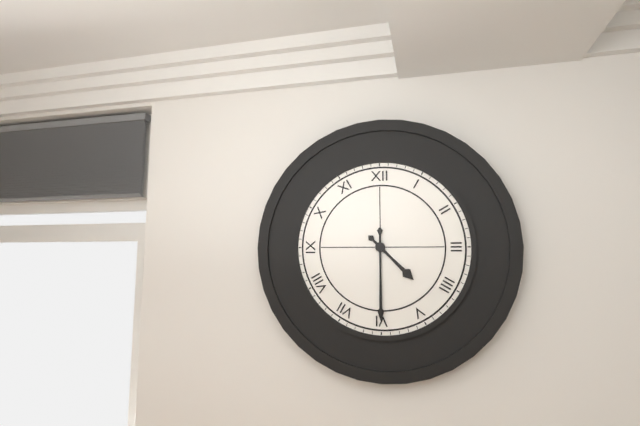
4:30
